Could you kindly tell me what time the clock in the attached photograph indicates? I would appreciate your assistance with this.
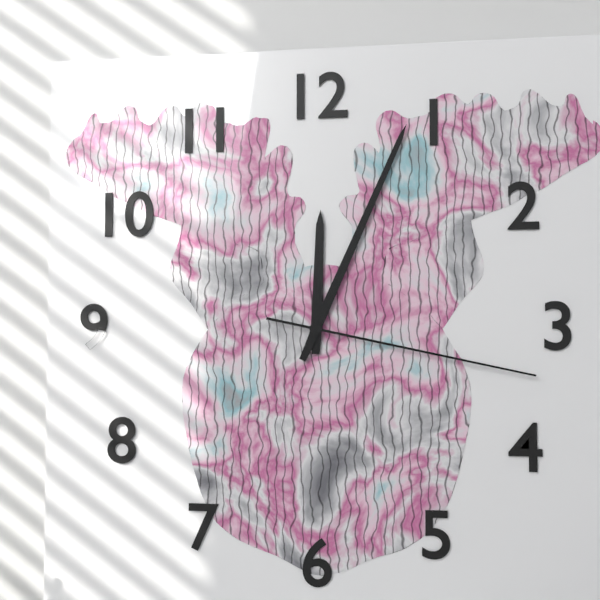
12:04:17
